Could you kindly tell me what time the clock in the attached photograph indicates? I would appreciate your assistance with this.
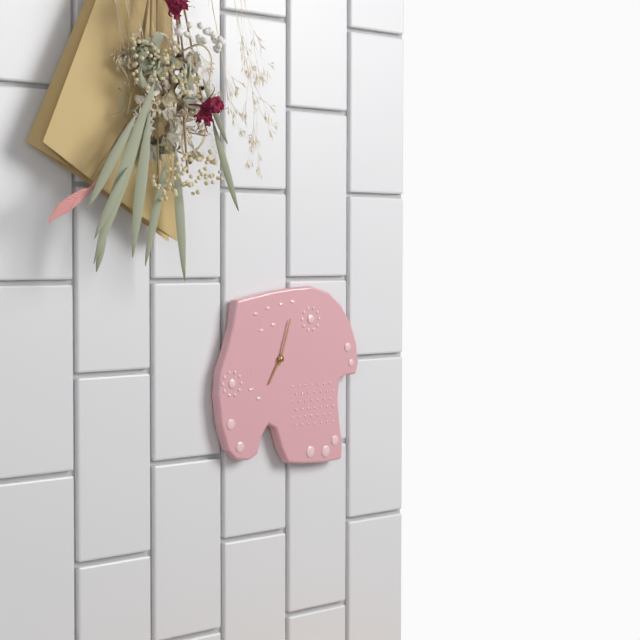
7:03
